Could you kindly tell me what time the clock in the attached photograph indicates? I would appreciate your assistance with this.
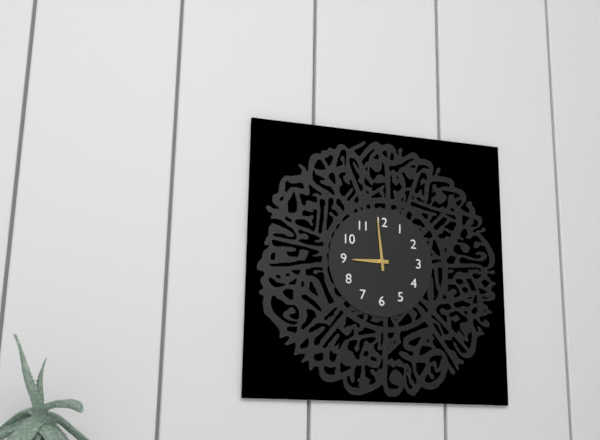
8:59
